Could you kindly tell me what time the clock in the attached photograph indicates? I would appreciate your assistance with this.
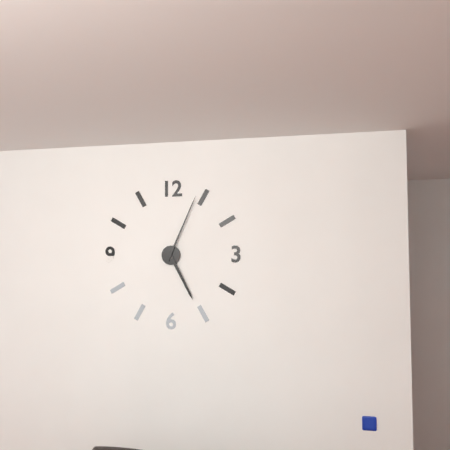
5:04
